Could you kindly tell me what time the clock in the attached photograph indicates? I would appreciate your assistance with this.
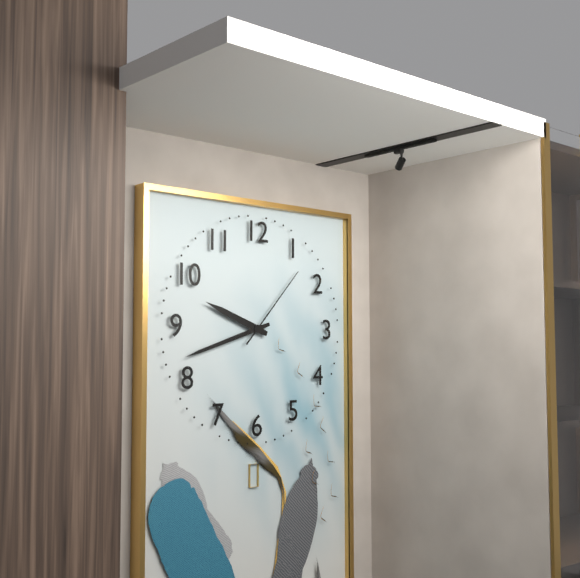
9:42:07
